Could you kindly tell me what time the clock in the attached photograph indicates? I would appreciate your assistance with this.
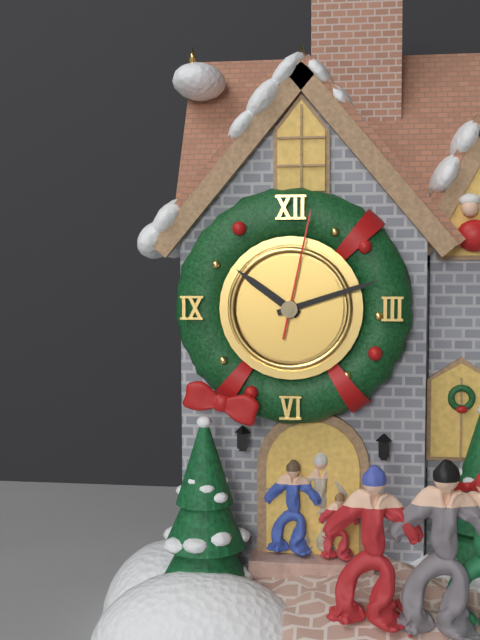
10:12:02
